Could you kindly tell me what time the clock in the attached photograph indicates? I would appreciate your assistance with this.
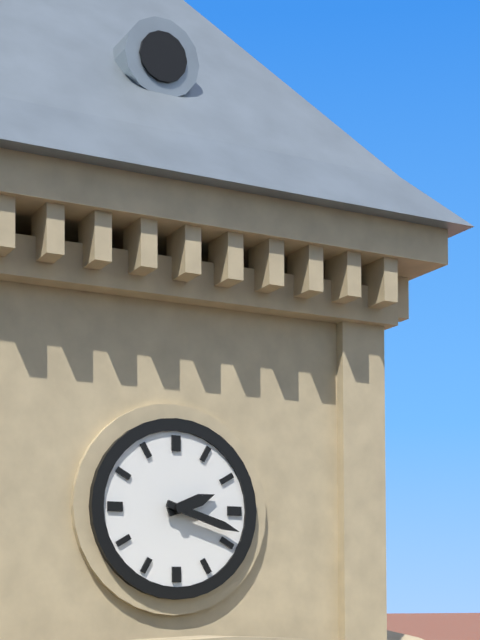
2:18
